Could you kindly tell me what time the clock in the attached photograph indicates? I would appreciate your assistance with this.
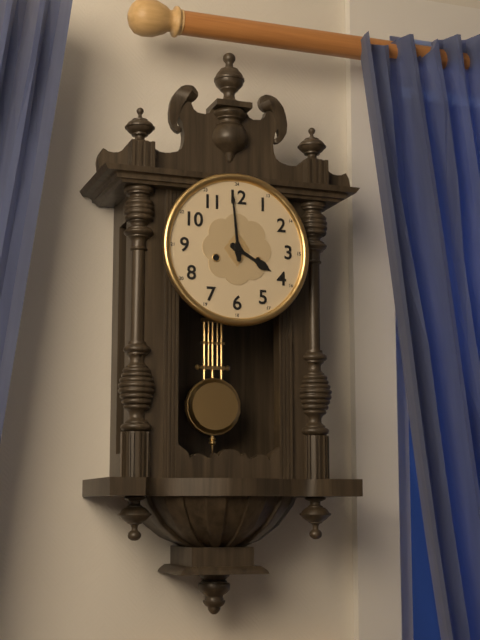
3:59
